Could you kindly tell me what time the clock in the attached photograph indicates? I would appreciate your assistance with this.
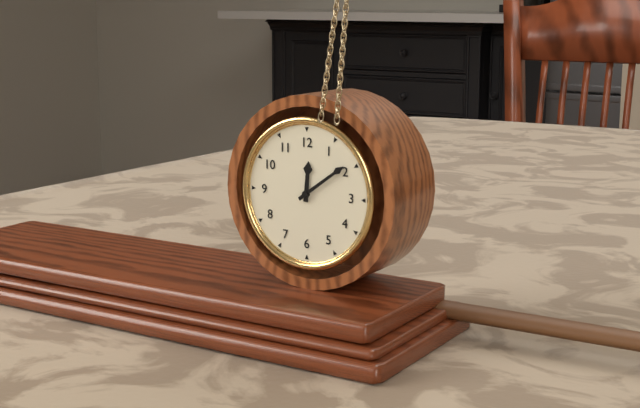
12:09
